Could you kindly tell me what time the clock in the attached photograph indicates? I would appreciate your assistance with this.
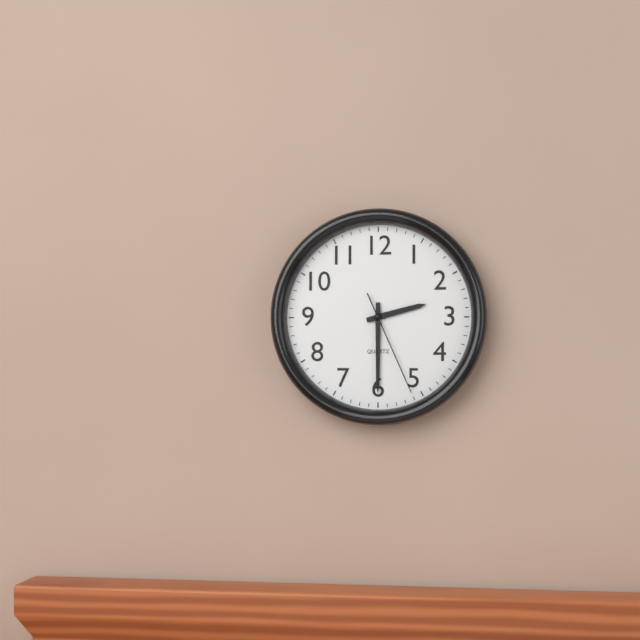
2:30:26
